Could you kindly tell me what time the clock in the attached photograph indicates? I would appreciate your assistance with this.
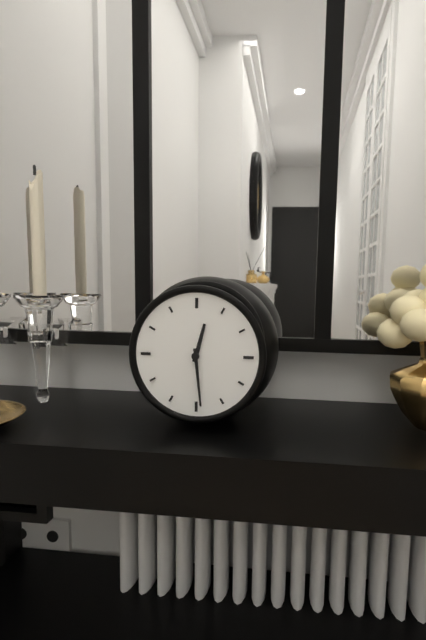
12:29
